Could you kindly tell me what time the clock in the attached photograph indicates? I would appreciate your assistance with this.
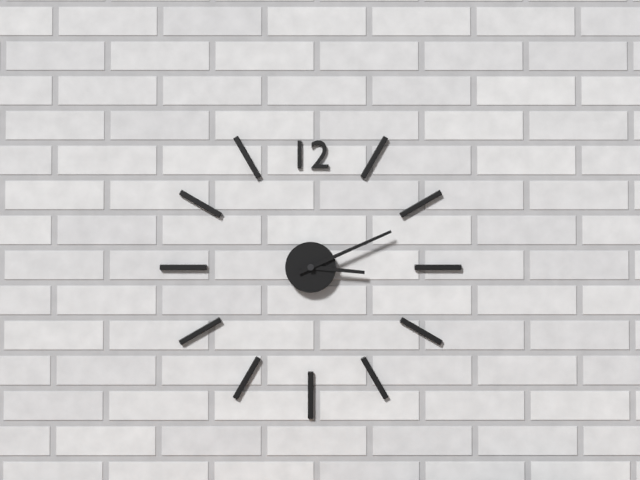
3:11
